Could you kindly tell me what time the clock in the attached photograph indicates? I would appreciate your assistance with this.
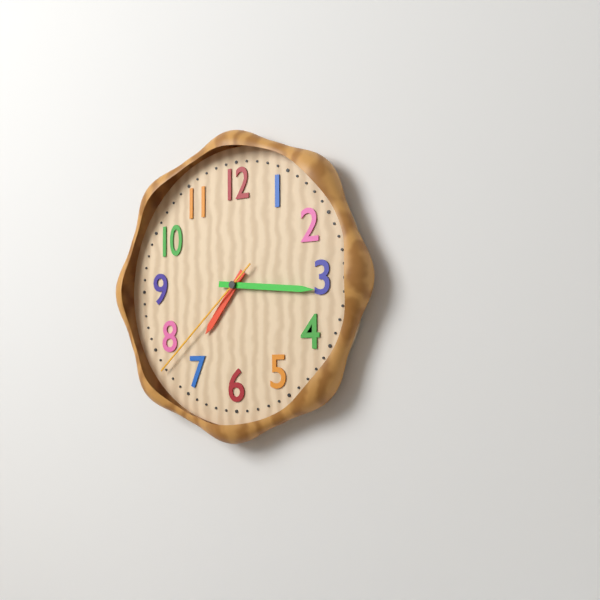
7:16:38
